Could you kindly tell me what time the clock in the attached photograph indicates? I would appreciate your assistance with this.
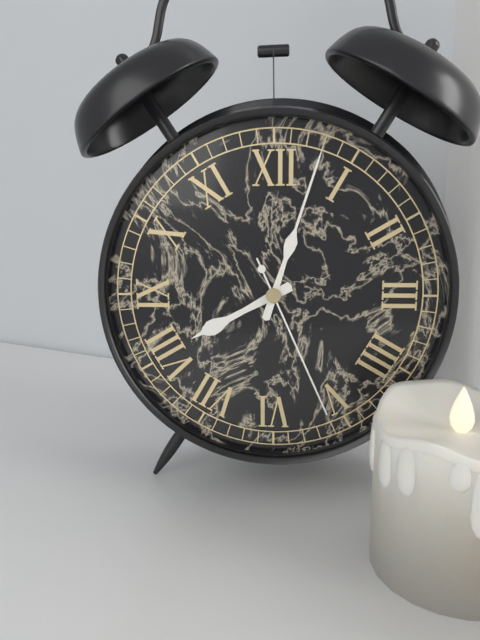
8:03:26
